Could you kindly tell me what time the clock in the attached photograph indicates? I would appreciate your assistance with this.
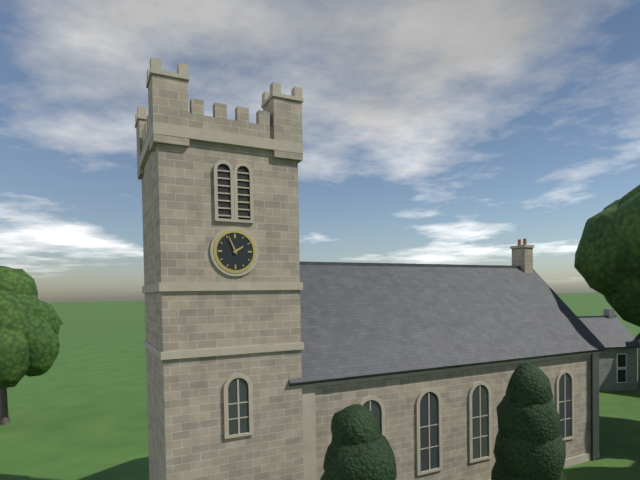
1:56
